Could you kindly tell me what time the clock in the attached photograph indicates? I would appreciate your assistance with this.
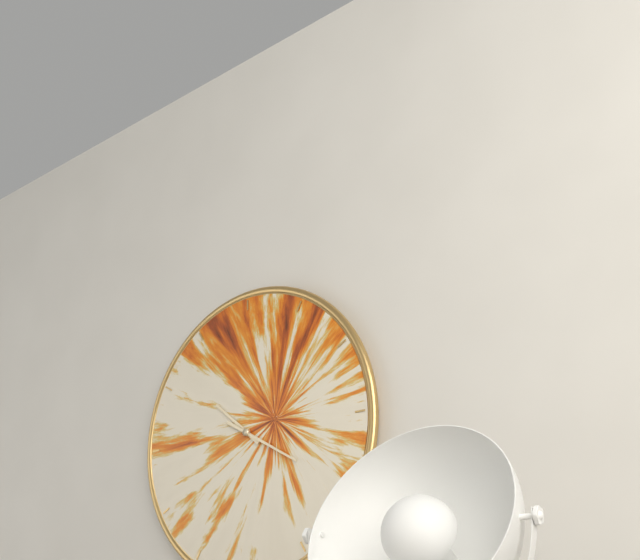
10:20
